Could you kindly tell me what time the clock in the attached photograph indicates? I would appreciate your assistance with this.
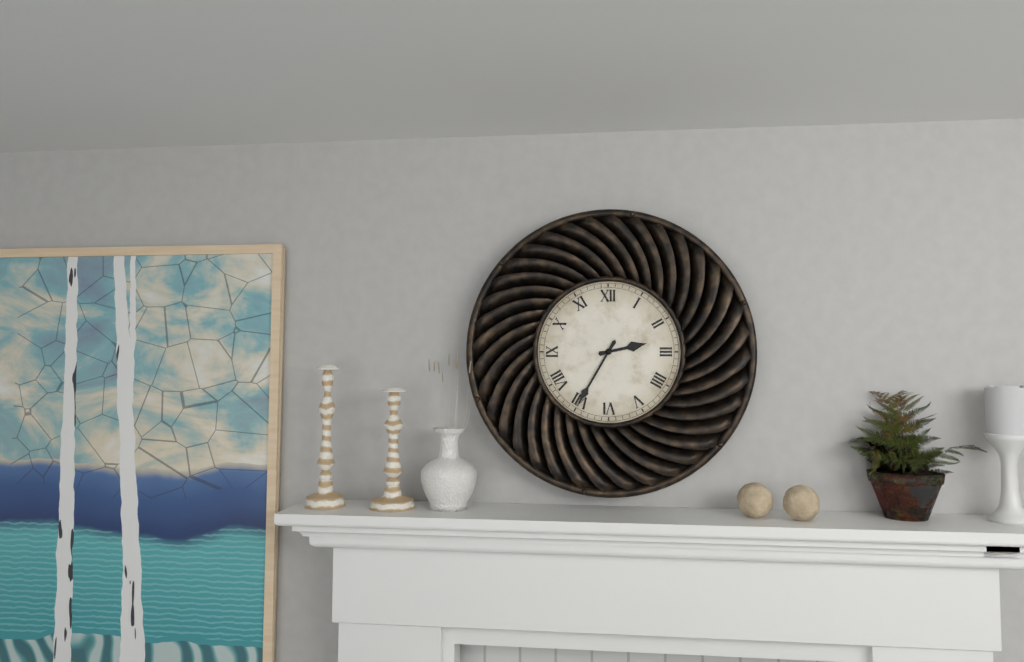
2:35
